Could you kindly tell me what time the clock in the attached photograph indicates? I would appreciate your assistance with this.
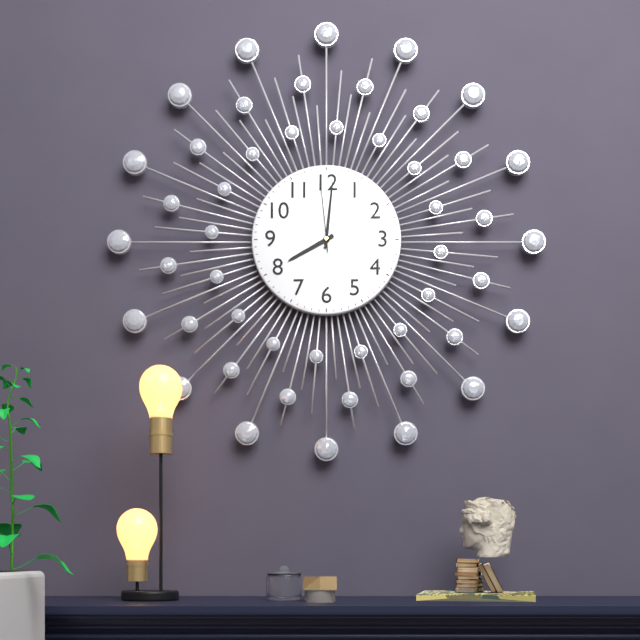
8:01:59
